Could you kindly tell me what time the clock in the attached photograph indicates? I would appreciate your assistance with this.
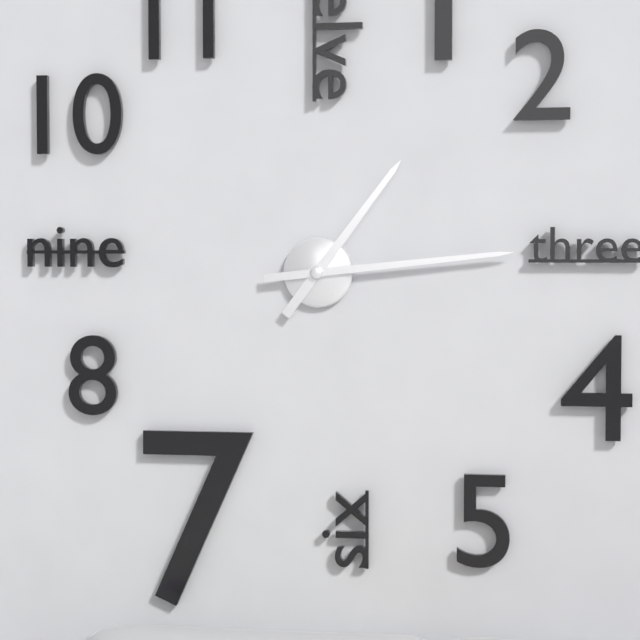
1:14
